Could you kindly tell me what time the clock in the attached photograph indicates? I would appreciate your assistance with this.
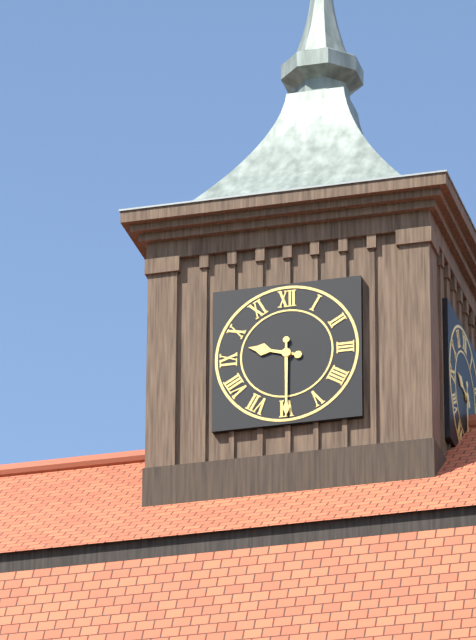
9:30
